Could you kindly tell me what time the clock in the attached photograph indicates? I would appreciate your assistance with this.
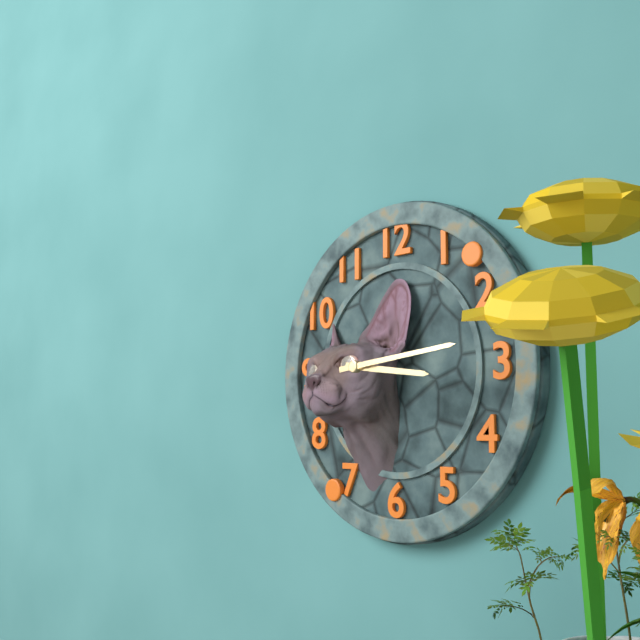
3:14
